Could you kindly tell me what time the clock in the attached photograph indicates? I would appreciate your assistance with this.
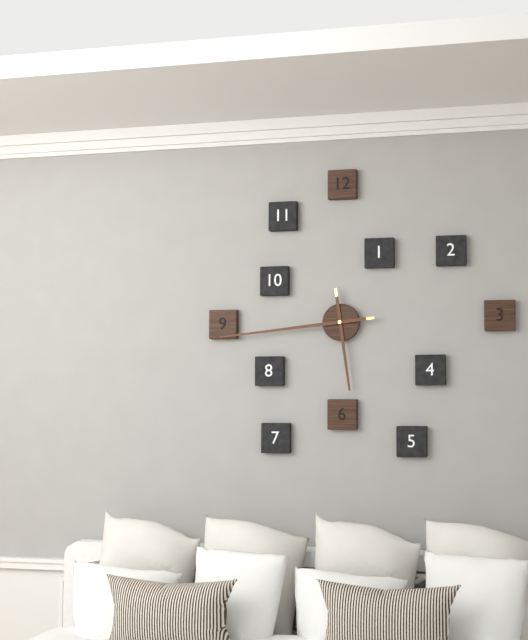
5:44
